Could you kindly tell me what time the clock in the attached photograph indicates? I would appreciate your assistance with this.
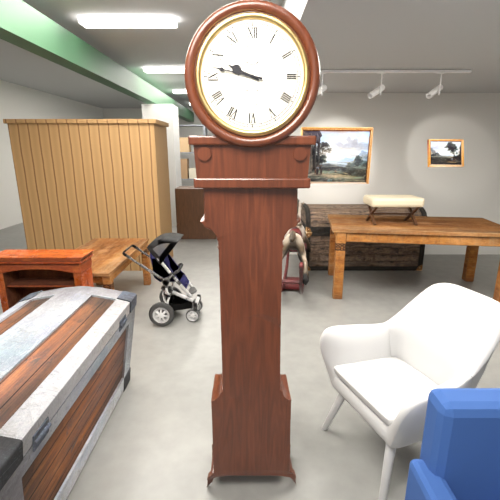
9:47
